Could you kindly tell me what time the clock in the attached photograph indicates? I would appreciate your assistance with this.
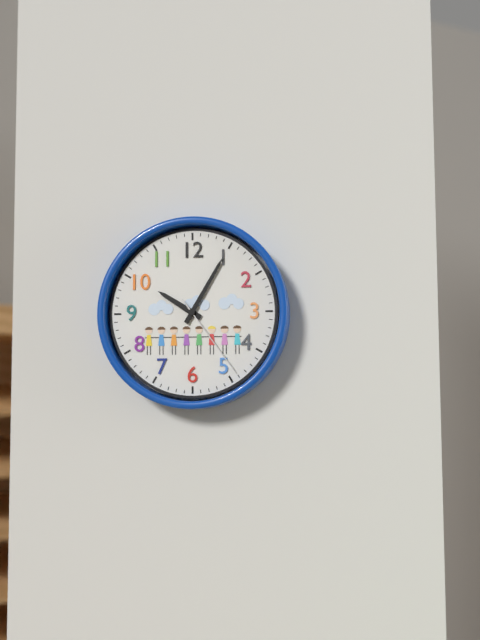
10:05:24
